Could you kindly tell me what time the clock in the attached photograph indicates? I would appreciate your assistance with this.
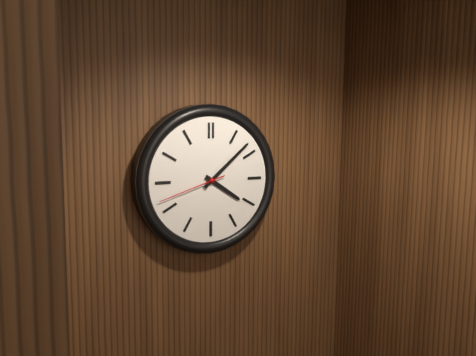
4:08:42
